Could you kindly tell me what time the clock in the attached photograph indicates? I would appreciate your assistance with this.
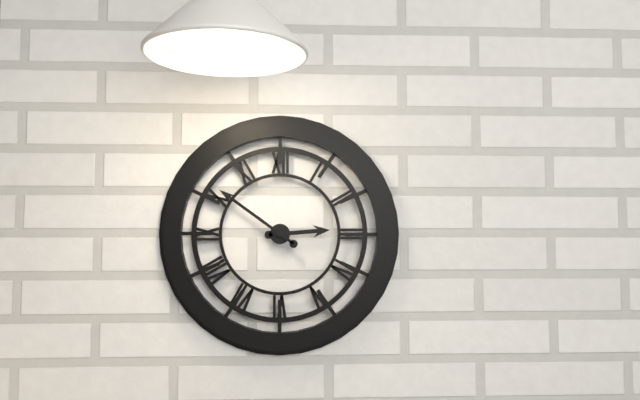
2:51
